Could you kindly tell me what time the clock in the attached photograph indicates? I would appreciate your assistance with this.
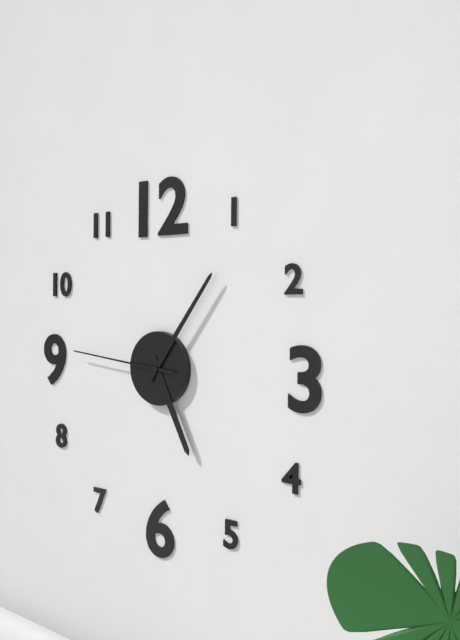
5:06:46
